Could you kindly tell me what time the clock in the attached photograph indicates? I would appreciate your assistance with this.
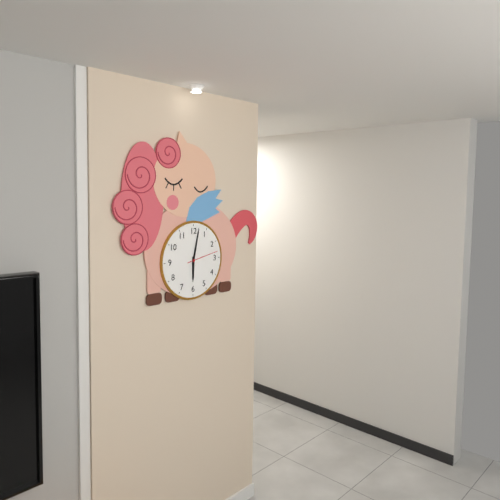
6:02
